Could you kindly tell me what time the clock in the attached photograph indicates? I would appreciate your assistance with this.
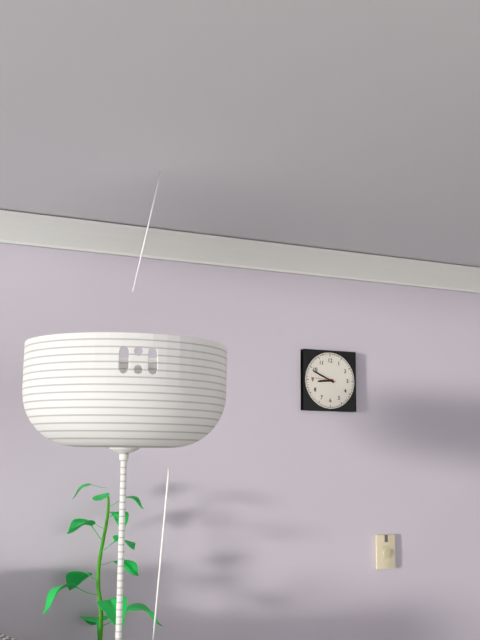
8:49
